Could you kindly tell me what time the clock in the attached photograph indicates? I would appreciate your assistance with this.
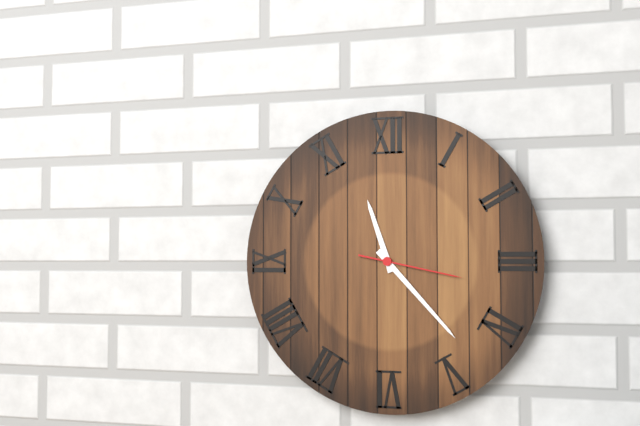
11:23:17
